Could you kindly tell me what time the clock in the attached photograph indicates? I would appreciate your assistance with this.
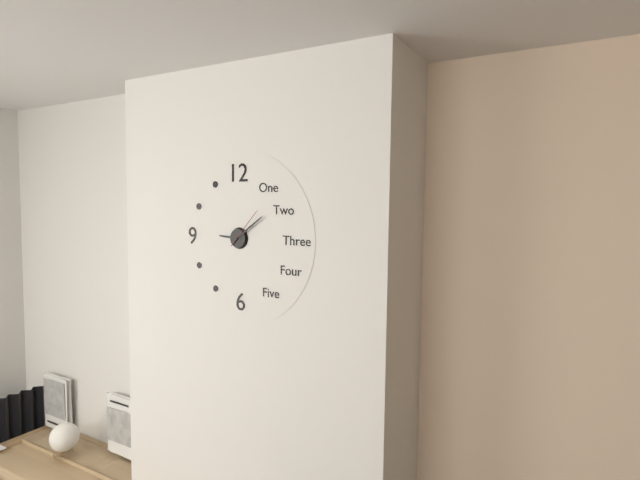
9:09
